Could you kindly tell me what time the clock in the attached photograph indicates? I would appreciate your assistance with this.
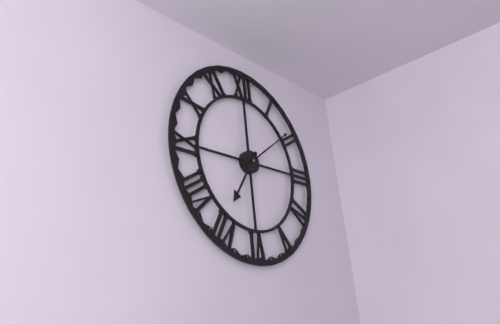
7:09
